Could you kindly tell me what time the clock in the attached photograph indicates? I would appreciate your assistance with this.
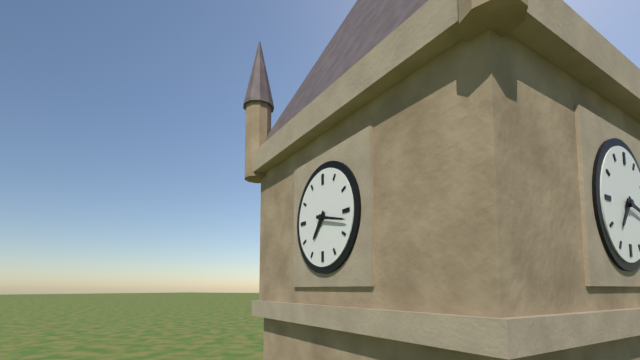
7:17
